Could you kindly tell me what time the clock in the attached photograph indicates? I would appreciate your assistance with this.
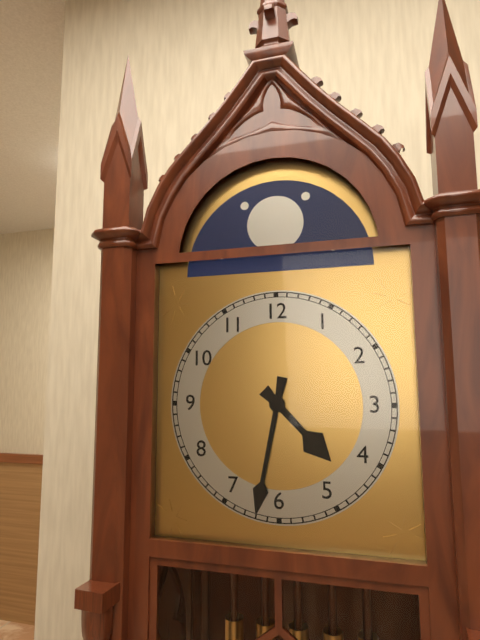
4:32
